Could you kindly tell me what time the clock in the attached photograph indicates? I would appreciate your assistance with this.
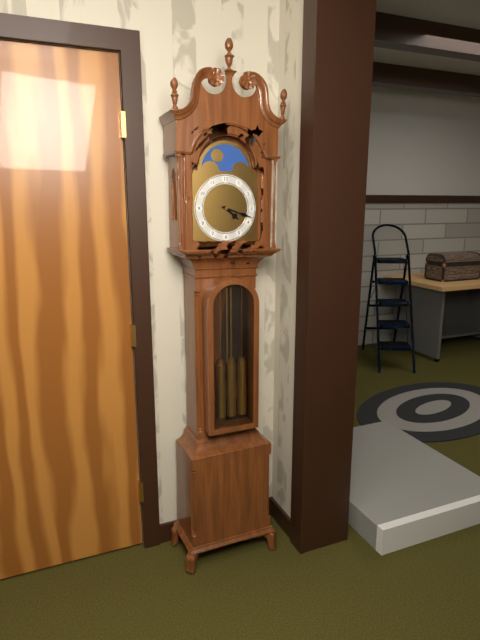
4:18
